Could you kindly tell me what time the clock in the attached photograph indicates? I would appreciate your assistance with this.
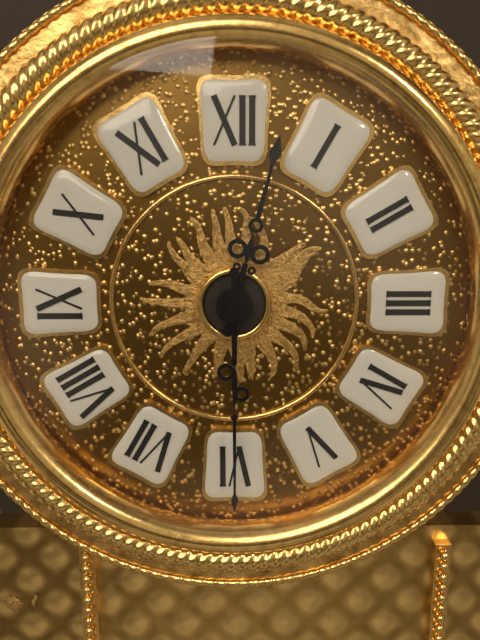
12:30
